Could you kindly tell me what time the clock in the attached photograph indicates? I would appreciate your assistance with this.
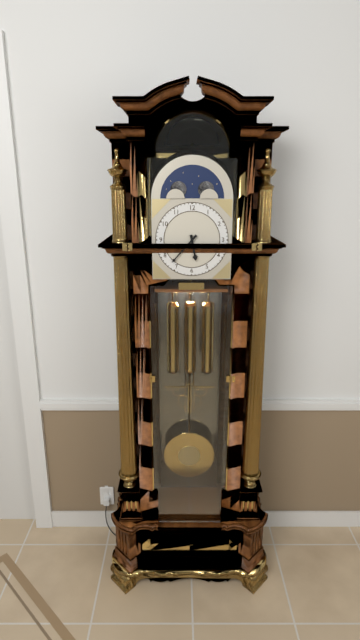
5:37
